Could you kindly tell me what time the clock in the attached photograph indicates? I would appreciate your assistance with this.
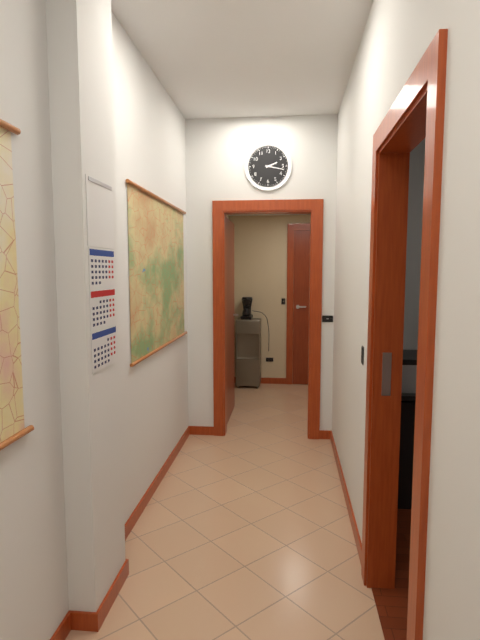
2:17
